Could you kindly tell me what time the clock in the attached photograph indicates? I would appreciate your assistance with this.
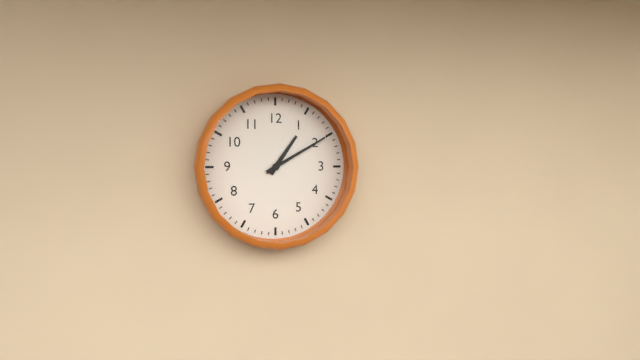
1:10
